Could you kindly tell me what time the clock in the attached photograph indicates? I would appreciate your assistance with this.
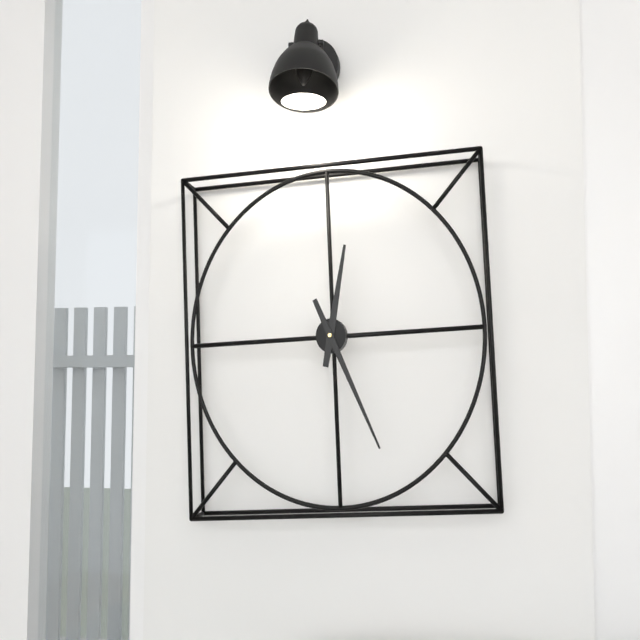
12:26
